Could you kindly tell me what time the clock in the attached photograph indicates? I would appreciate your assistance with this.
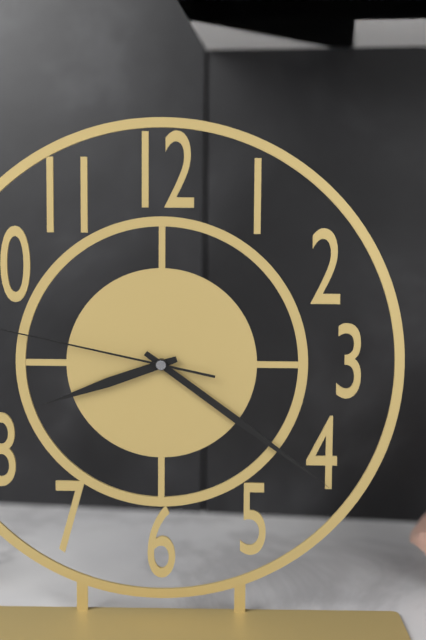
8:21
